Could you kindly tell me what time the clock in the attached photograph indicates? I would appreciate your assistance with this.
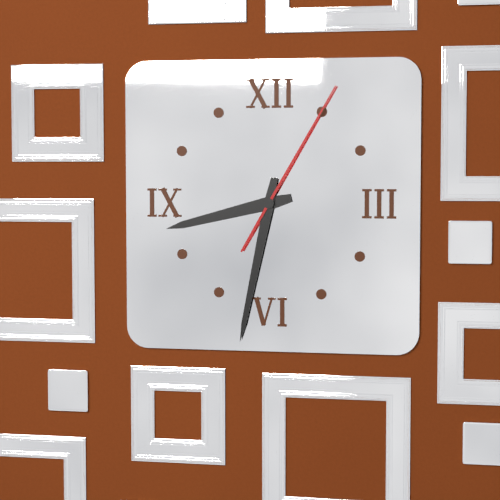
8:32:05
